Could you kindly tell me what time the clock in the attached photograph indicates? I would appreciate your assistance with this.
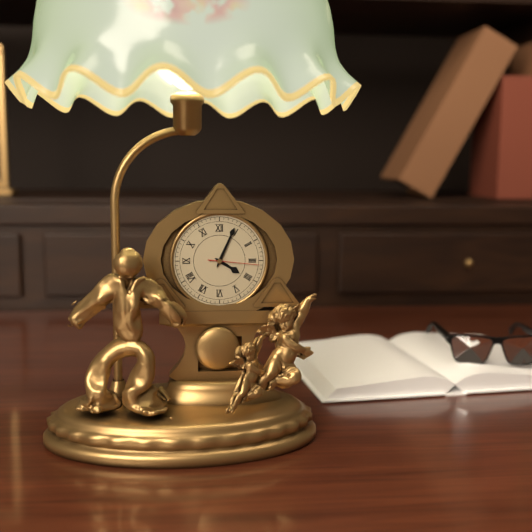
4:04:16
